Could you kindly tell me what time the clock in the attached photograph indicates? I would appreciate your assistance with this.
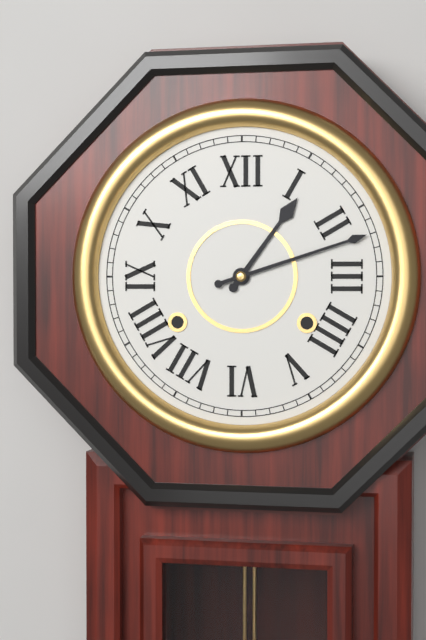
1:12
